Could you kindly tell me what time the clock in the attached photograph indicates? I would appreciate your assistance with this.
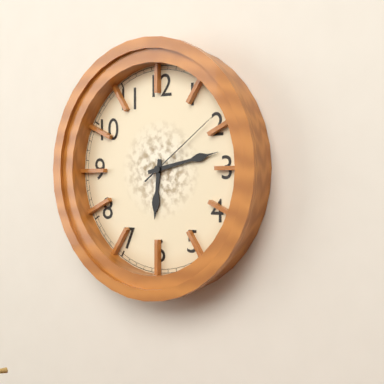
6:13:09
